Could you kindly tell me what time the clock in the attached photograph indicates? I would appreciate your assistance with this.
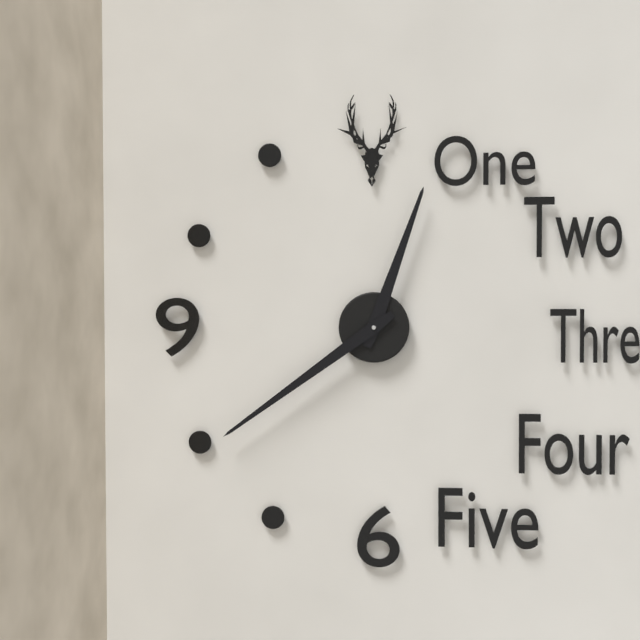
12:39
